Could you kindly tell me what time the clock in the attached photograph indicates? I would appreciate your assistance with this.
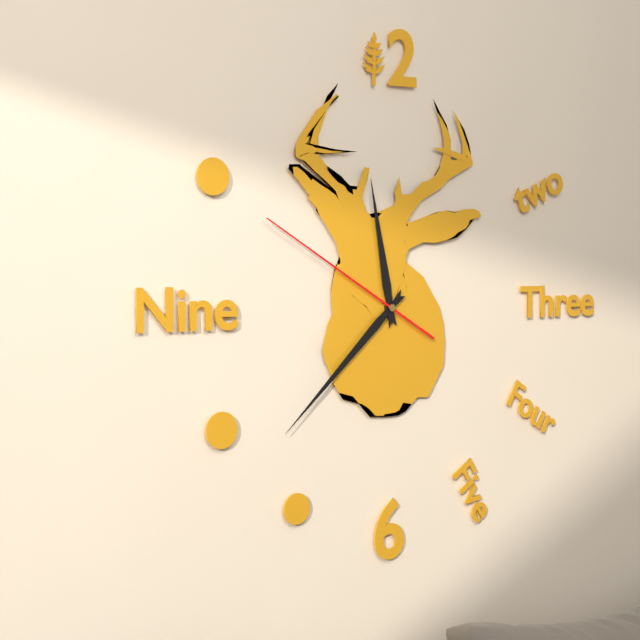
11:38:50
